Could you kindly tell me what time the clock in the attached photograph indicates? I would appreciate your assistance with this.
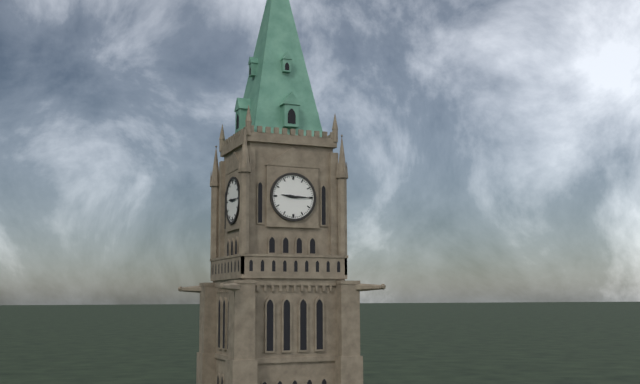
9:15
